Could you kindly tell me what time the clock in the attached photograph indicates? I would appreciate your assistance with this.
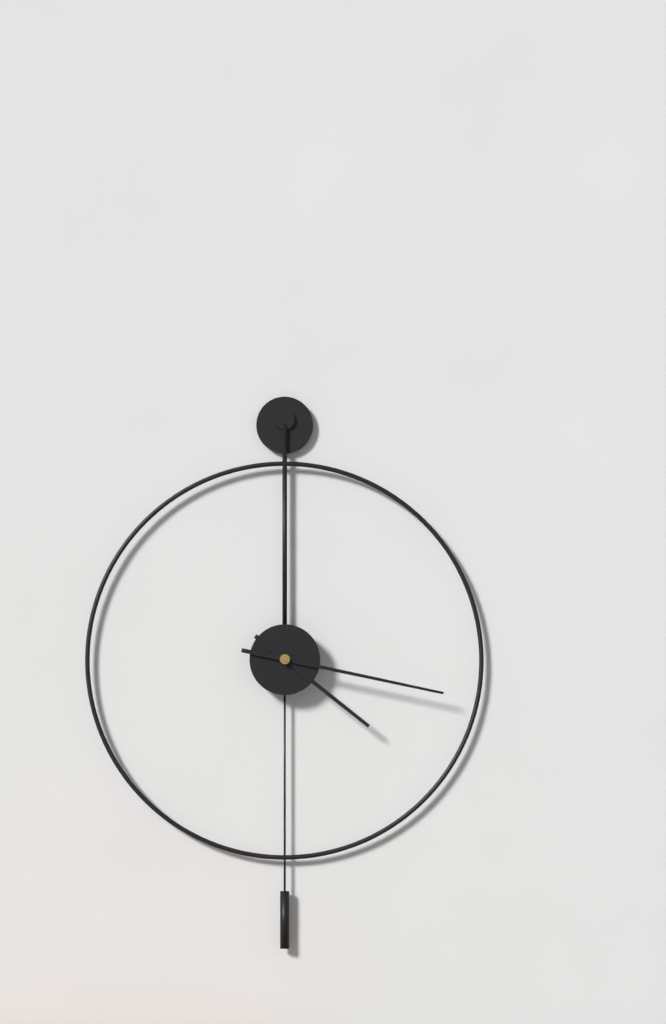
4:17
